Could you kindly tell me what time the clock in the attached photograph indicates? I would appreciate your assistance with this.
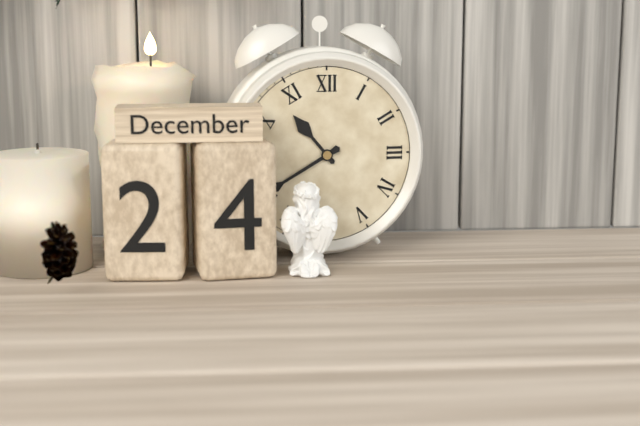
10:40
